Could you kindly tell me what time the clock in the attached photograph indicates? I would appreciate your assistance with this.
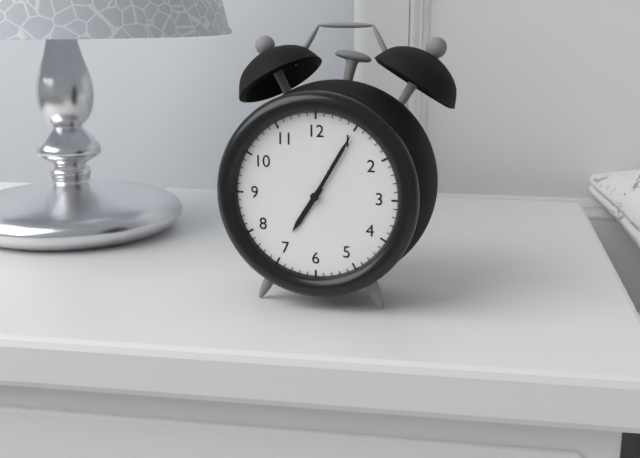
7:05
